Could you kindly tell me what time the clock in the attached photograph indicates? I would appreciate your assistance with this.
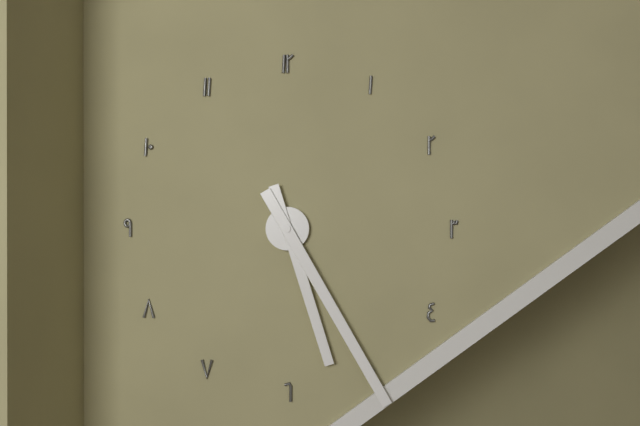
5:25
